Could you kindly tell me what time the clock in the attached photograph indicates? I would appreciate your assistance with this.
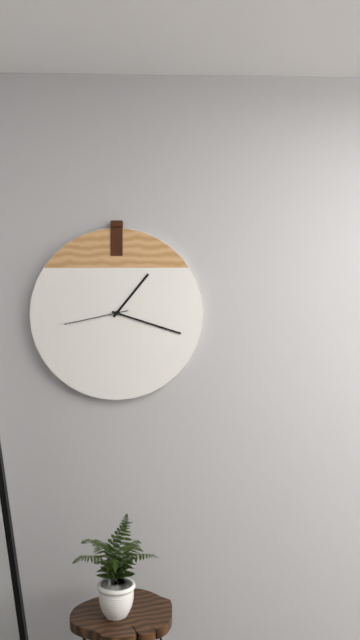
1:18:43
